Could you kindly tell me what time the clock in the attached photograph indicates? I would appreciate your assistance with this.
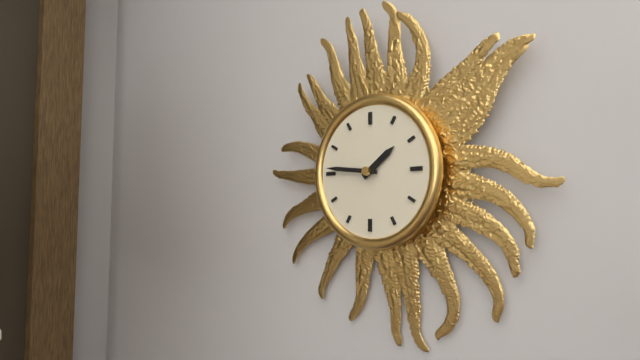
1:46
